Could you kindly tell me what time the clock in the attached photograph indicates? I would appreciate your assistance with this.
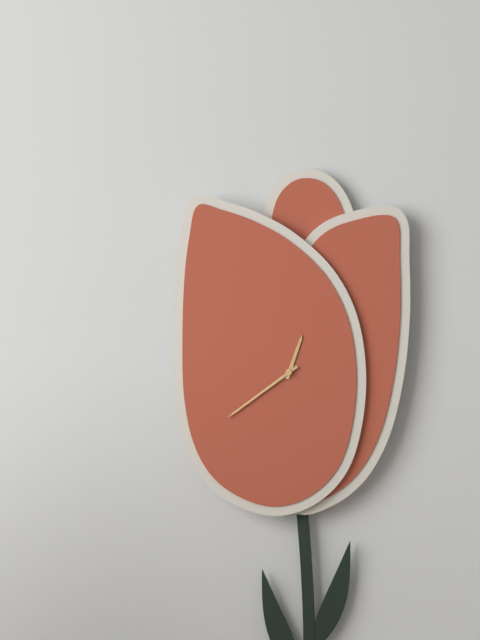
12:39
